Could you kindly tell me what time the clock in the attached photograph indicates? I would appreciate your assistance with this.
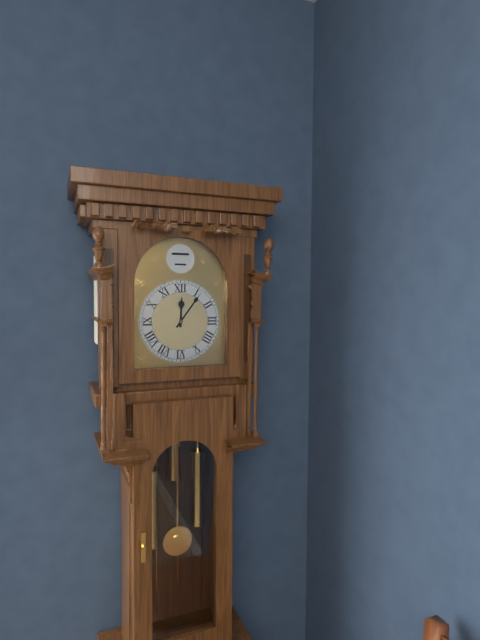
12:06
